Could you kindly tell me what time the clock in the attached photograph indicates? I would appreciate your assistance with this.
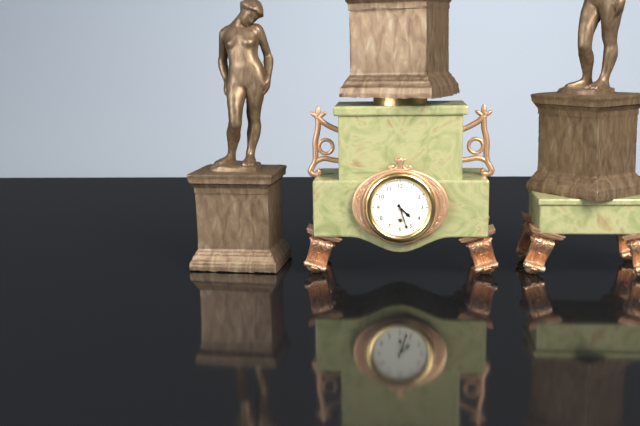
4:27
